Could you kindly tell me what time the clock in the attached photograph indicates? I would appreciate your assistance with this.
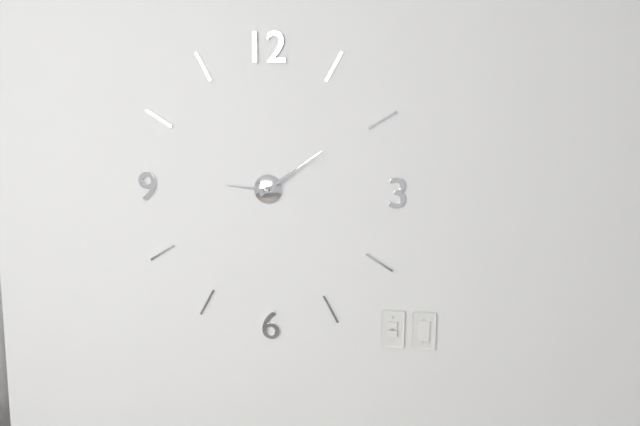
9:09
